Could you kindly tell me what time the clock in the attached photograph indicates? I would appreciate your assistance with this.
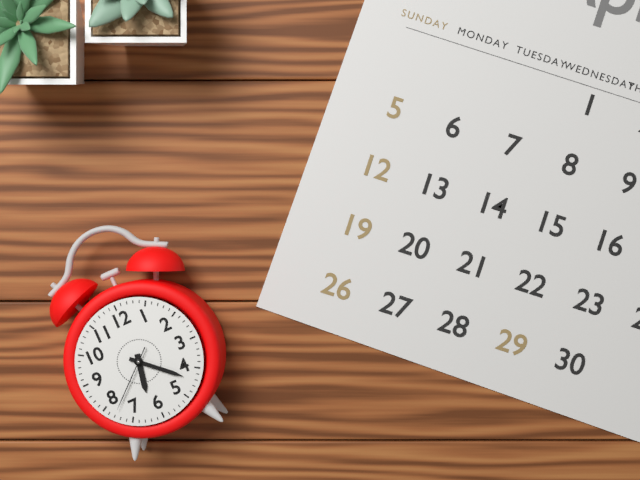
6:22:38
